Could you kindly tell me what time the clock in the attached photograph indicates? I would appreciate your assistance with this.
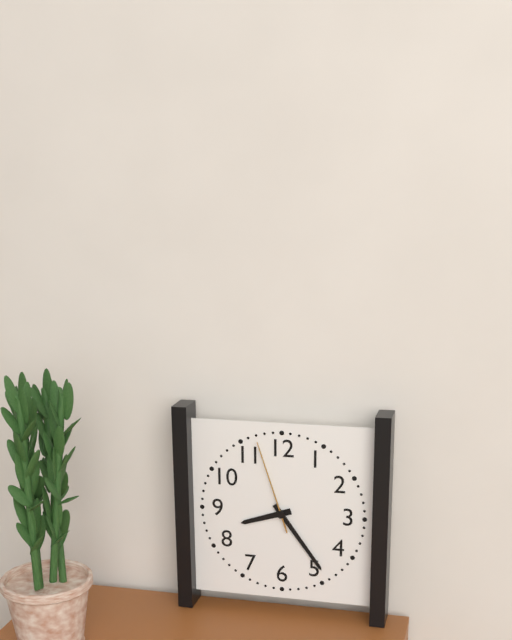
8:24:57
